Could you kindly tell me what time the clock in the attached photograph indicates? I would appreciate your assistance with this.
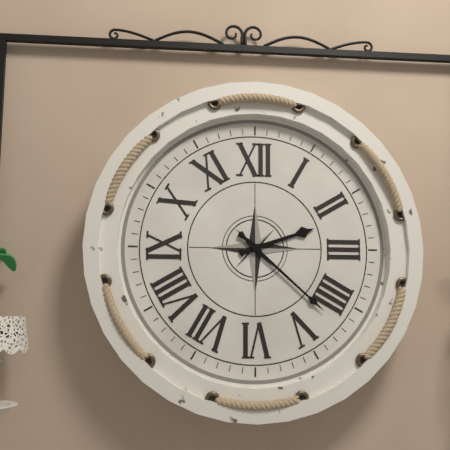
2:22
